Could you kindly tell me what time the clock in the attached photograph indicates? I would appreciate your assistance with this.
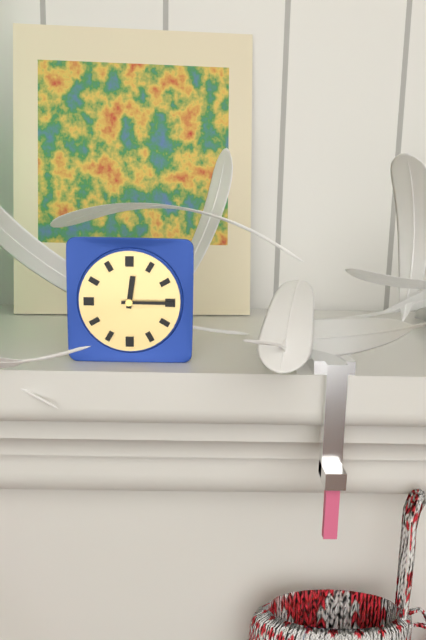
12:15
